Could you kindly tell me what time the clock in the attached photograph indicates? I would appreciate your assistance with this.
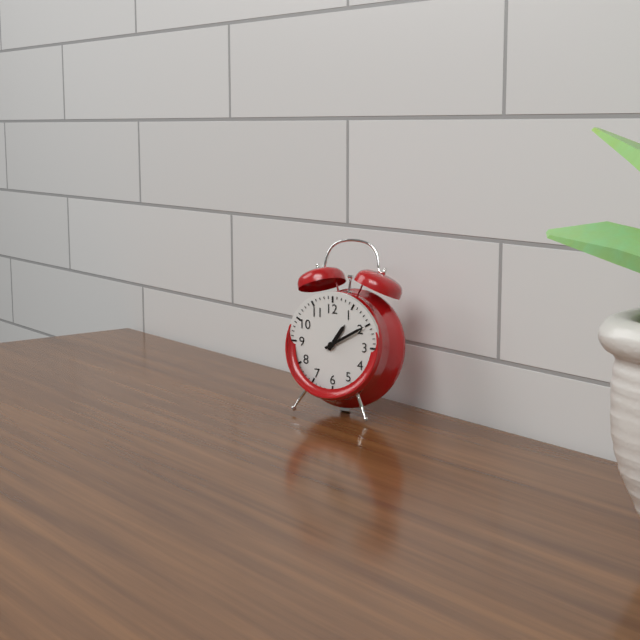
1:10
